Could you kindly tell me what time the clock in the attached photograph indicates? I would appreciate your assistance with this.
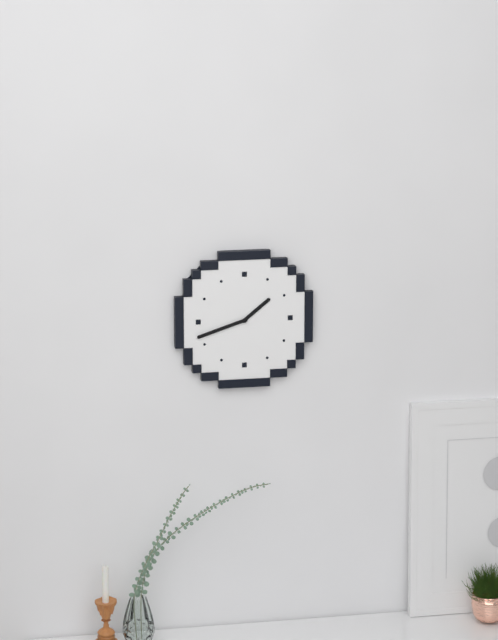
1:42
